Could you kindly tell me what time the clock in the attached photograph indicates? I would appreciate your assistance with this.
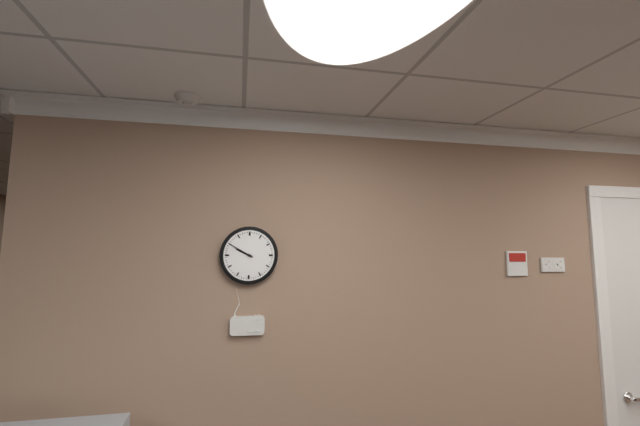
9:50
